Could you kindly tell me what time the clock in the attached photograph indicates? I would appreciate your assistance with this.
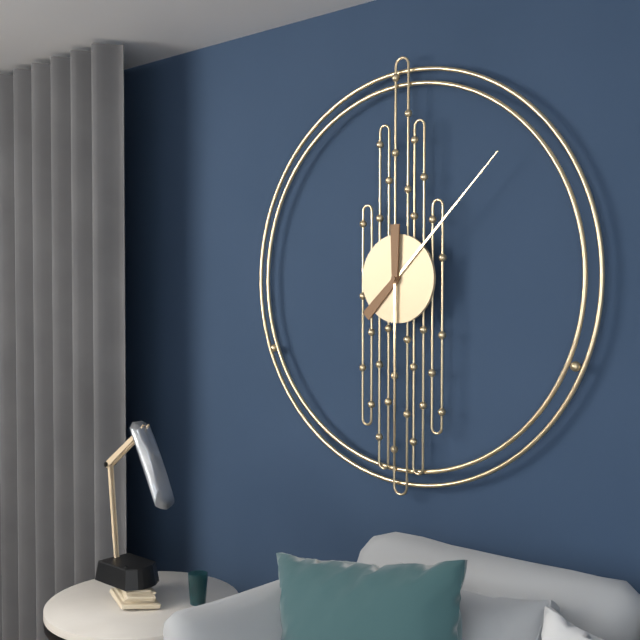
1:30
